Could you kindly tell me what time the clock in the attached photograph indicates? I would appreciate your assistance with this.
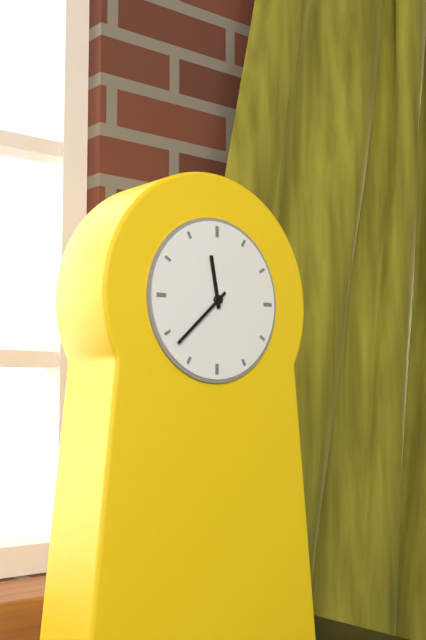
11:38
